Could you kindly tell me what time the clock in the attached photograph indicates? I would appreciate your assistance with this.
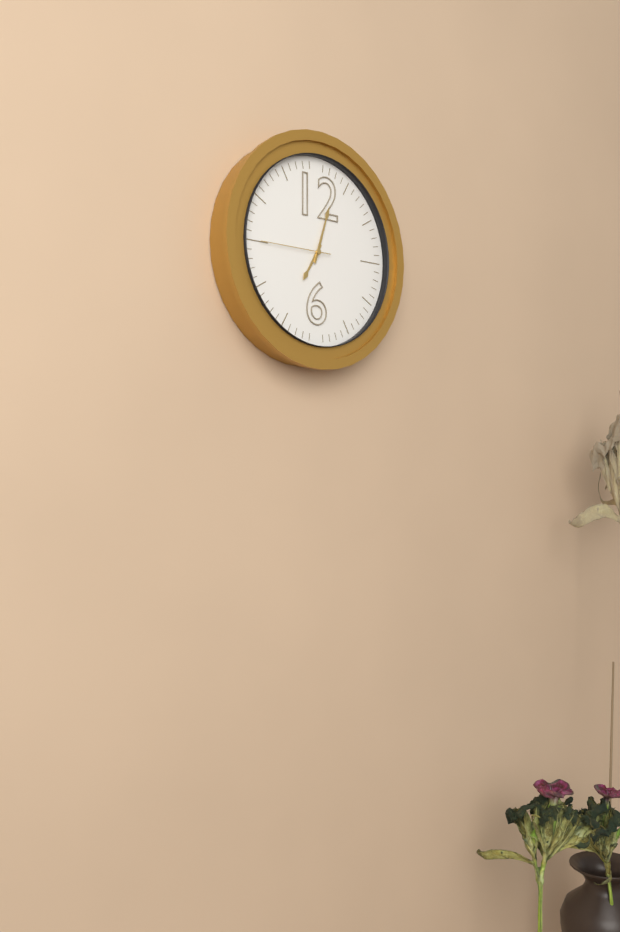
7:03:45
